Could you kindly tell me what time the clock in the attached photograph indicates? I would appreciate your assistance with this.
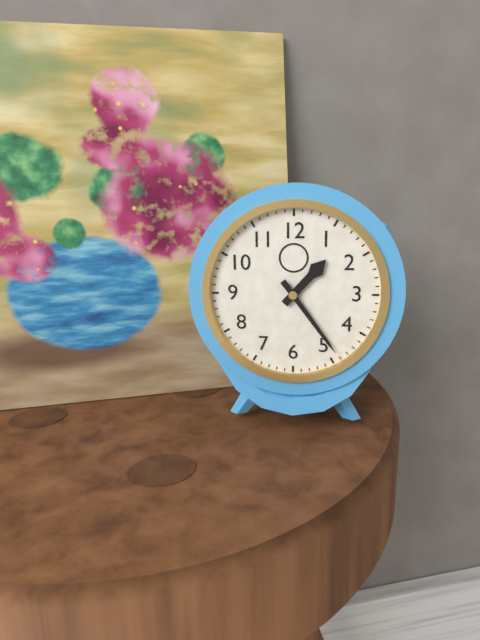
1:24
